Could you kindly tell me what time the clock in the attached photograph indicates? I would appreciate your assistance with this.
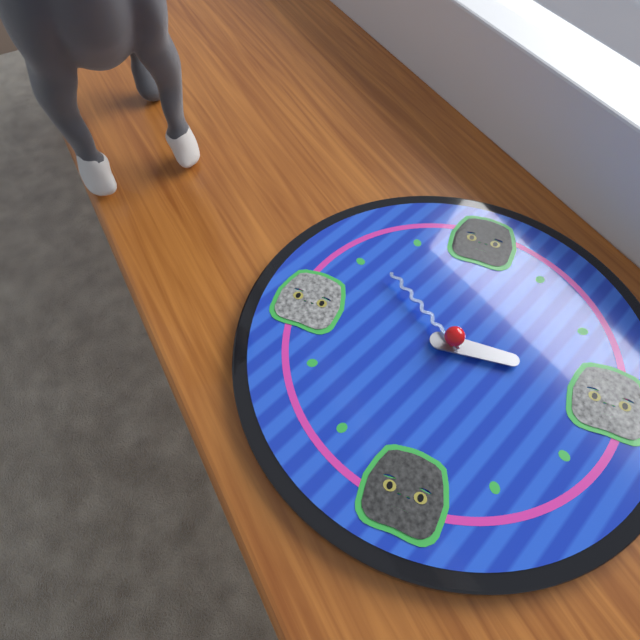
2:51
